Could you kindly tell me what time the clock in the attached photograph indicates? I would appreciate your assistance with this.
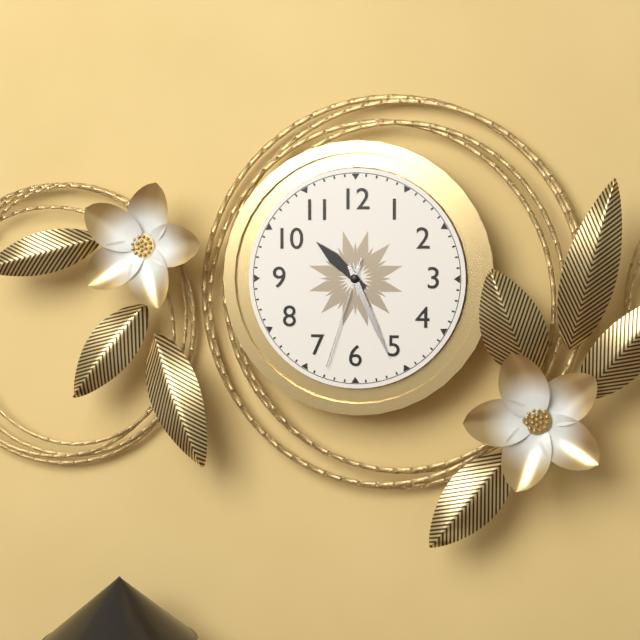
10:26:33
